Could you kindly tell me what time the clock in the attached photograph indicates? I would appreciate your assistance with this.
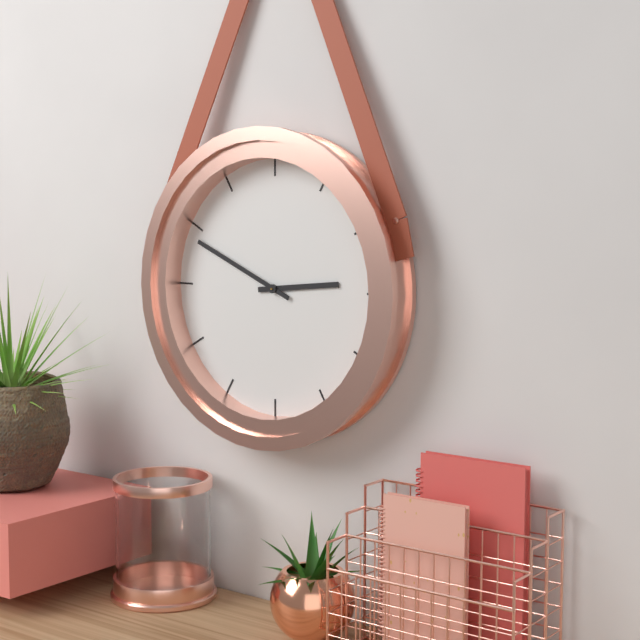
2:49
